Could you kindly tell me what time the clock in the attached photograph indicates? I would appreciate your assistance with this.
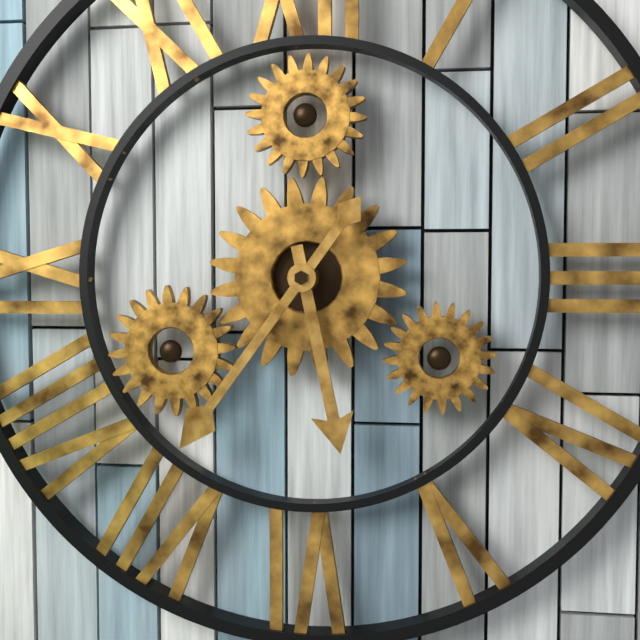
5:36
